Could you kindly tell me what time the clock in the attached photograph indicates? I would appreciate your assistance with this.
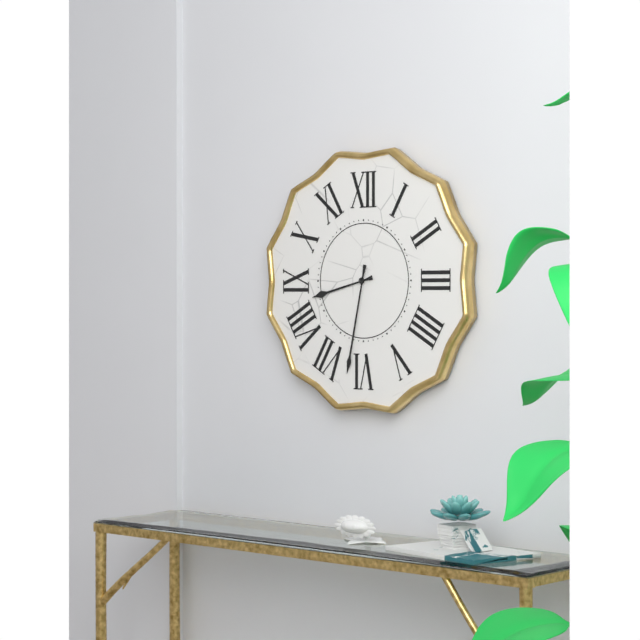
8:32
